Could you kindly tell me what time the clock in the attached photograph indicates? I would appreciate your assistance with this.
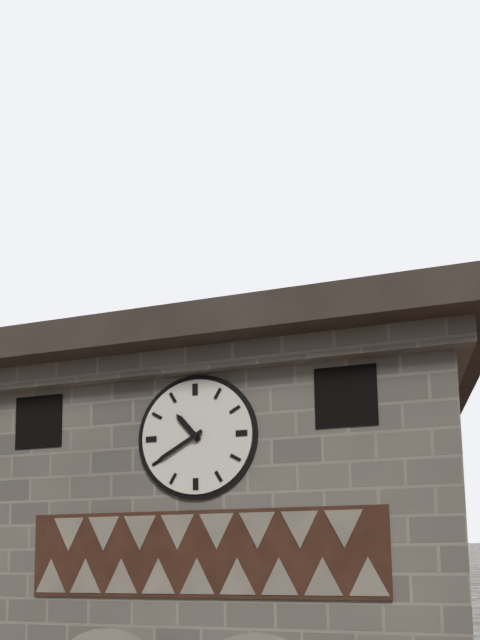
10:40
